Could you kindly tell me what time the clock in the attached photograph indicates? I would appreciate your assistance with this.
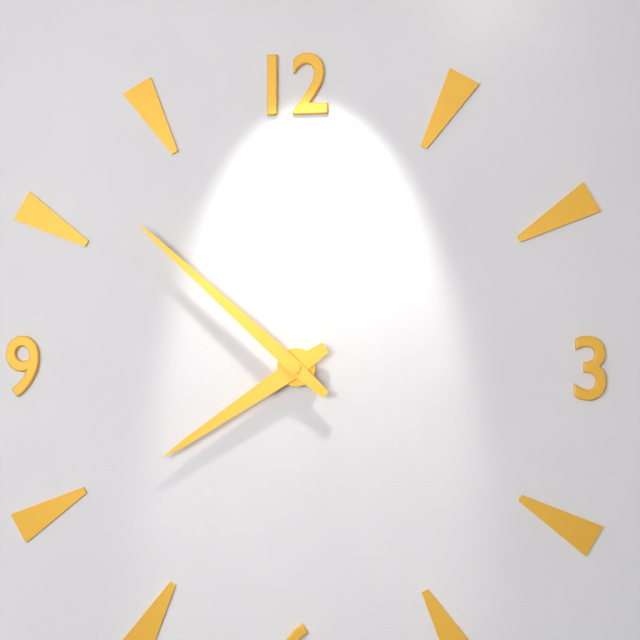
7:52
